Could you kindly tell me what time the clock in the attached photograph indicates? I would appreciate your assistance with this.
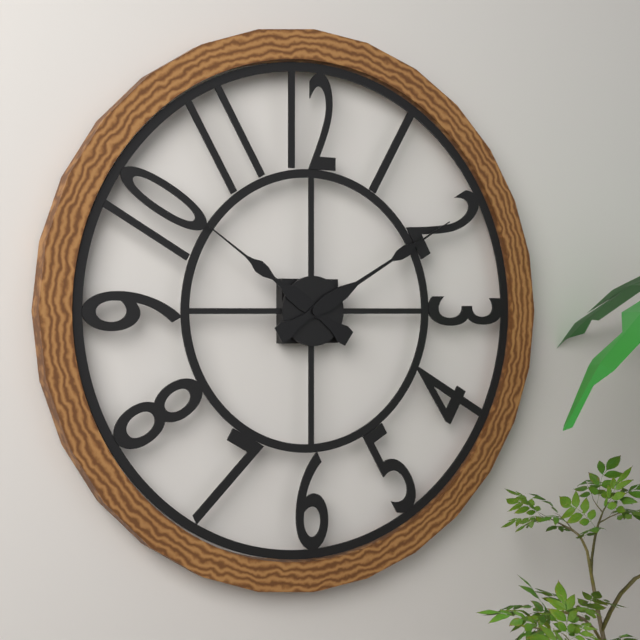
10:10
